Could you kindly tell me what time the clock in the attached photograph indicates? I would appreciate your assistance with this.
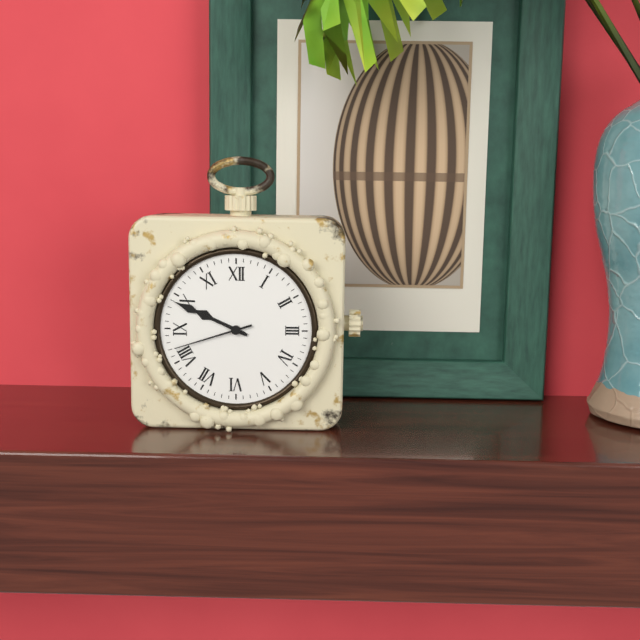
9:49:42
